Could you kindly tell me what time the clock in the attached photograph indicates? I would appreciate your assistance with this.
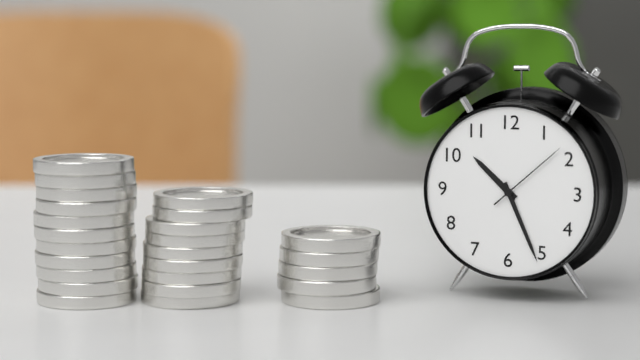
10:26:08
